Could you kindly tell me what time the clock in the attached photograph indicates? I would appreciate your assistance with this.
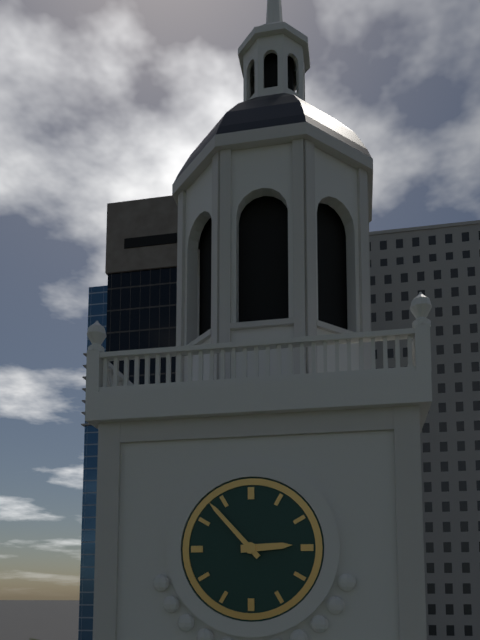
2:53
